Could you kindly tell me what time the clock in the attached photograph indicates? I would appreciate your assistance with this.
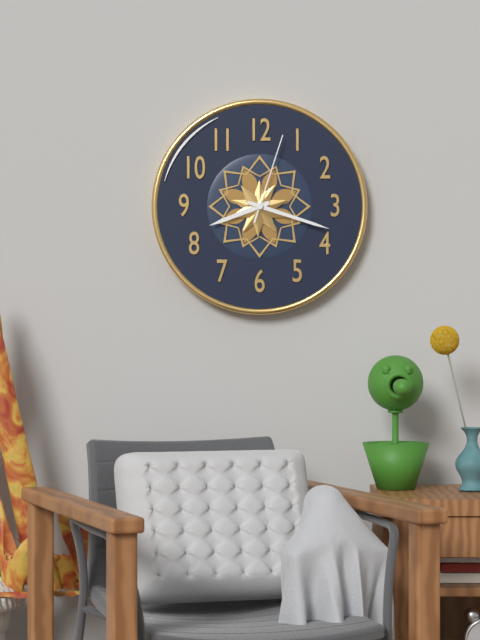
8:18:03
